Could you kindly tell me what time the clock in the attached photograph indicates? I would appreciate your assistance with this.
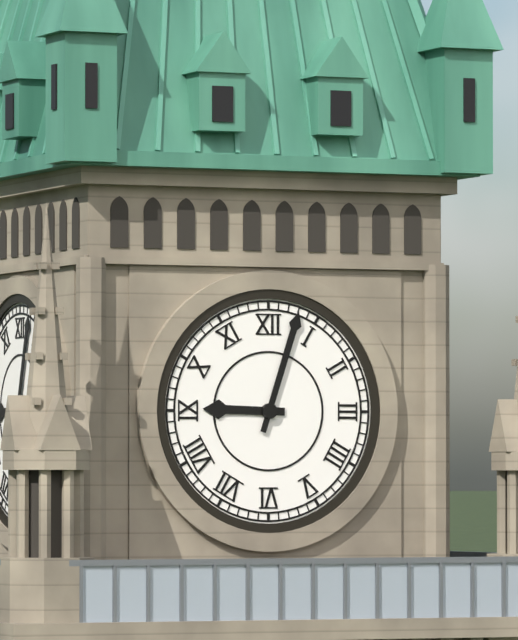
9:03
